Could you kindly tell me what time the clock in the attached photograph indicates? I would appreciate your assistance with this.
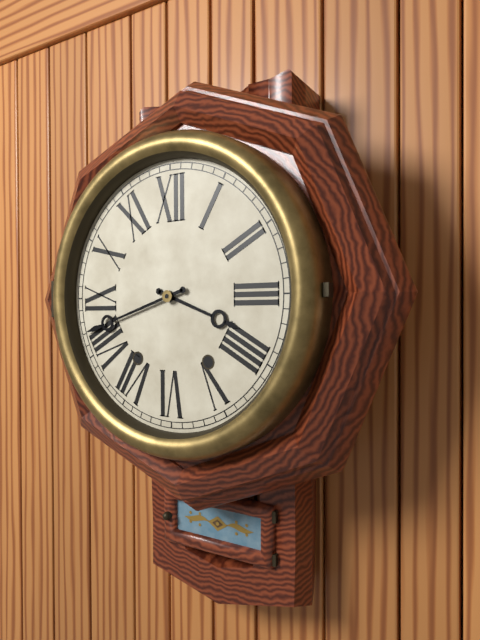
3:42
